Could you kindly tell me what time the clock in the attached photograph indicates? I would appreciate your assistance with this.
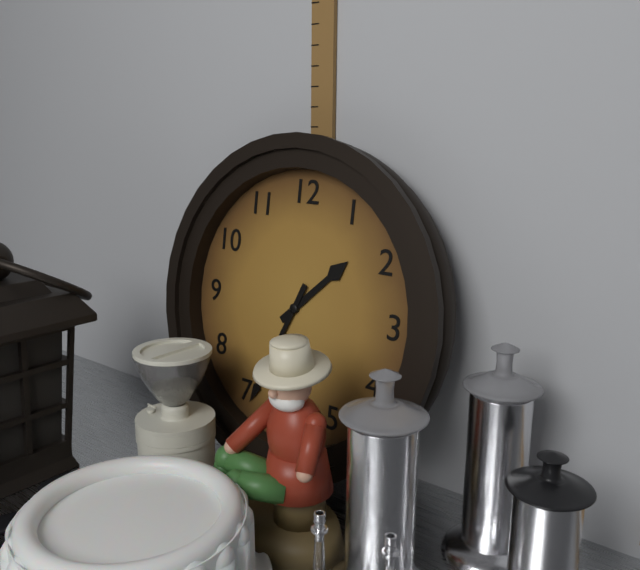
1:34
